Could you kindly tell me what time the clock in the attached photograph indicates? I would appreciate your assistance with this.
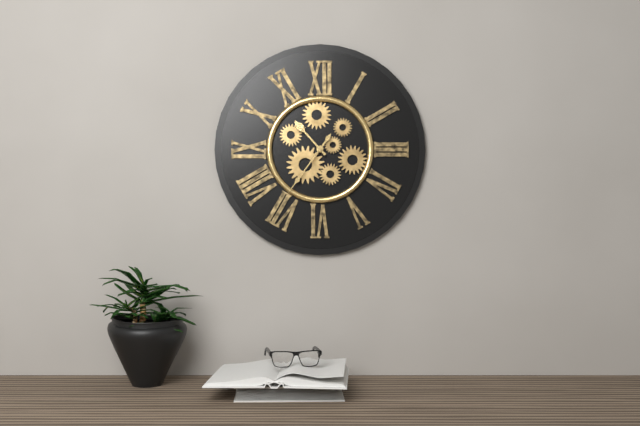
10:36
